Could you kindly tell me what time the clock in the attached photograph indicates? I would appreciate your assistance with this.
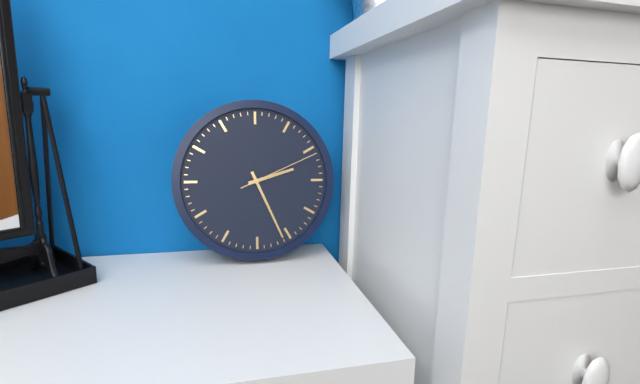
2:26:11
